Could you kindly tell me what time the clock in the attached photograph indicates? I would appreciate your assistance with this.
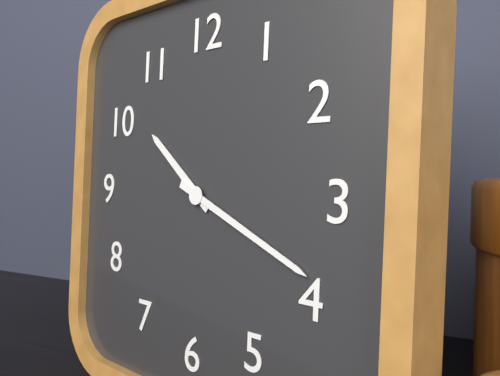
10:19
